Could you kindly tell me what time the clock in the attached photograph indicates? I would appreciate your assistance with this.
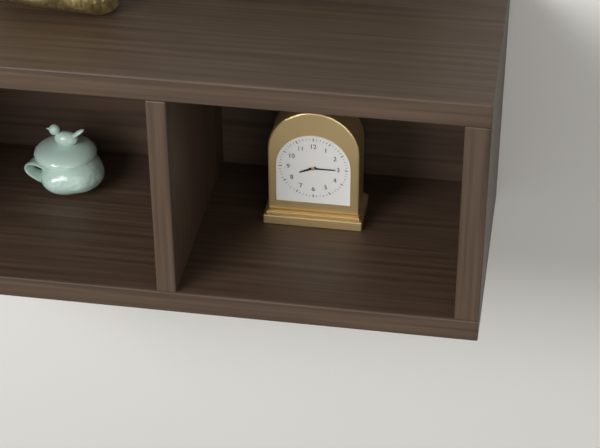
8:15
